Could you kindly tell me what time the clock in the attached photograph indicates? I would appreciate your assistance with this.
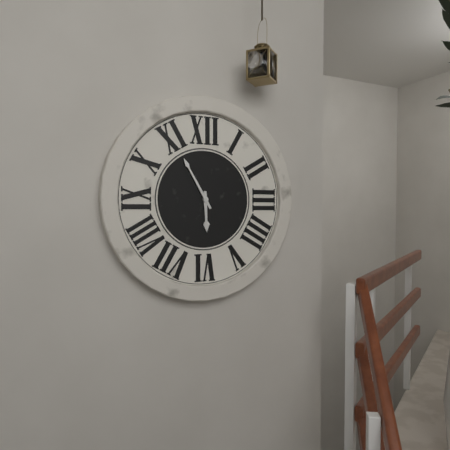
5:55
